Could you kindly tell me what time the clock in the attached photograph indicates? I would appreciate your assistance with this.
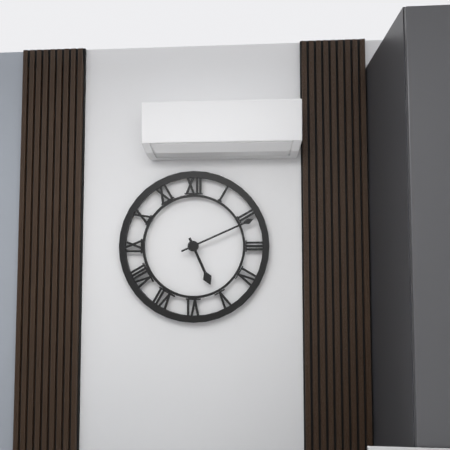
5:11
